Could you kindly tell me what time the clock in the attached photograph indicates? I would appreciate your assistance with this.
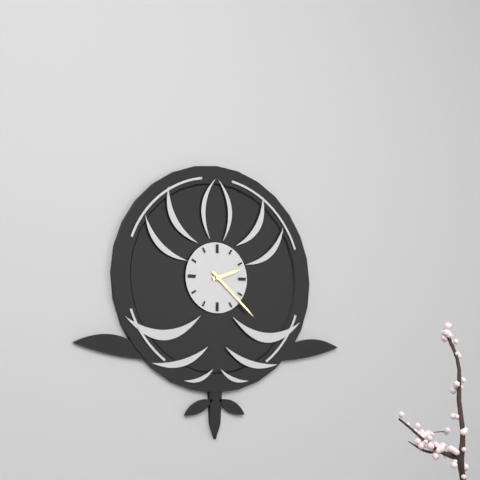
2:22
